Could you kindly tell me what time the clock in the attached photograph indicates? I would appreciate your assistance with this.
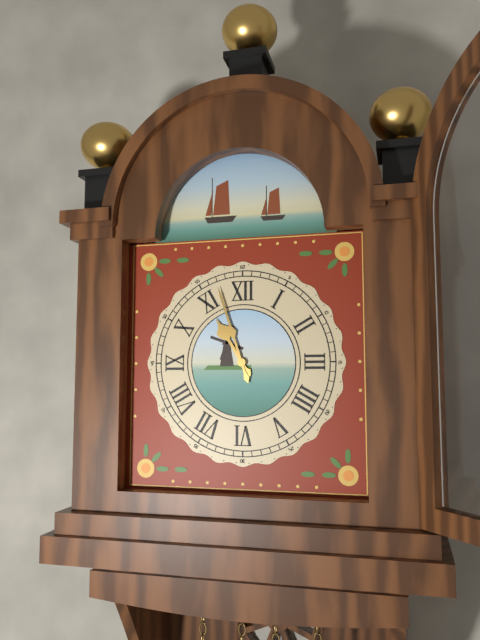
10:57
